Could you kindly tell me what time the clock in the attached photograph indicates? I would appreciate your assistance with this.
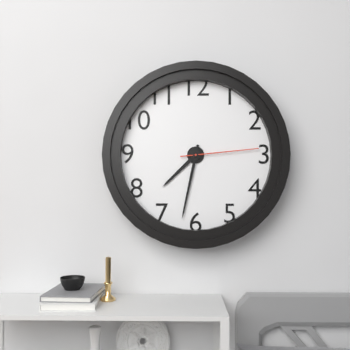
7:32:14
